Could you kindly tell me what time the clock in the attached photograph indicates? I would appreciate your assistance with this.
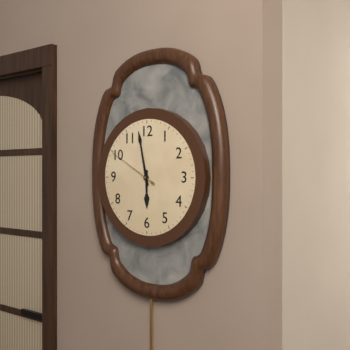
5:58:50
